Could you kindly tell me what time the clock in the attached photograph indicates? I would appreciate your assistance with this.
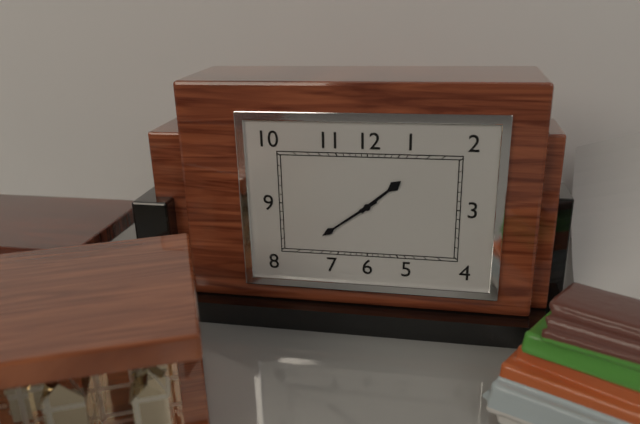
1:39
